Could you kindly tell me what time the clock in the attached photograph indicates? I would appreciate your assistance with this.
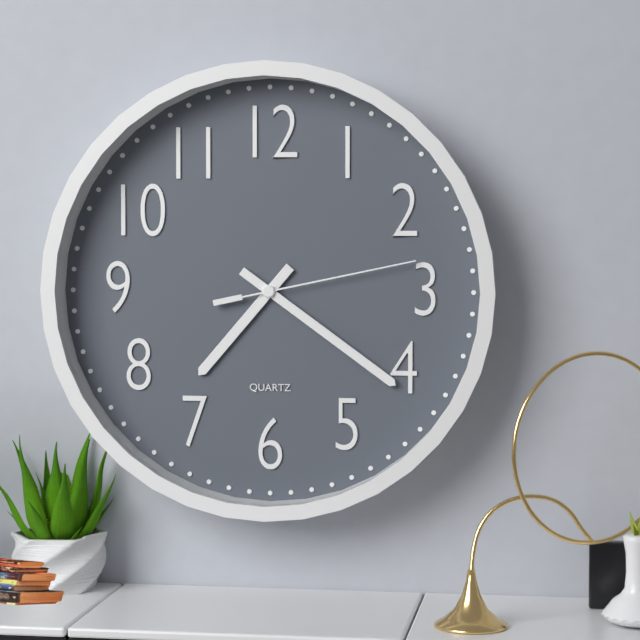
7:21:13
